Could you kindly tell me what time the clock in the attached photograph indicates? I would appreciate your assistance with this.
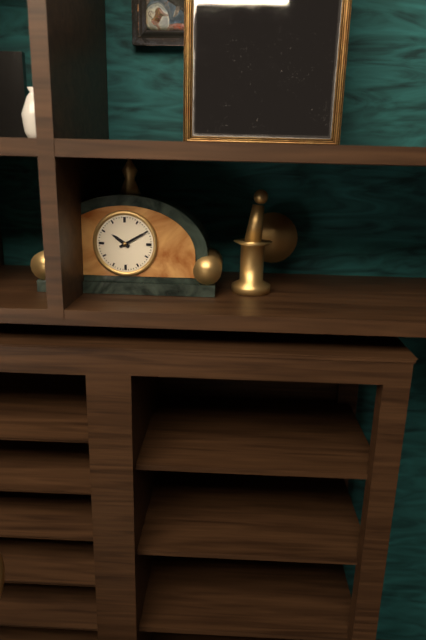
10:10
